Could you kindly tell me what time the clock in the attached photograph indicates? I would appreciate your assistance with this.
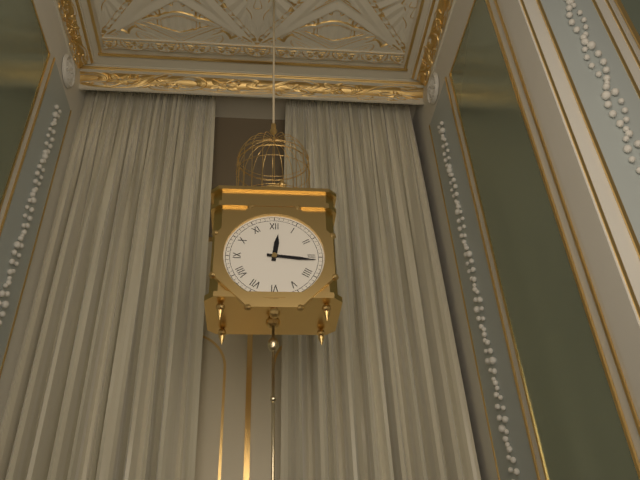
12:16
